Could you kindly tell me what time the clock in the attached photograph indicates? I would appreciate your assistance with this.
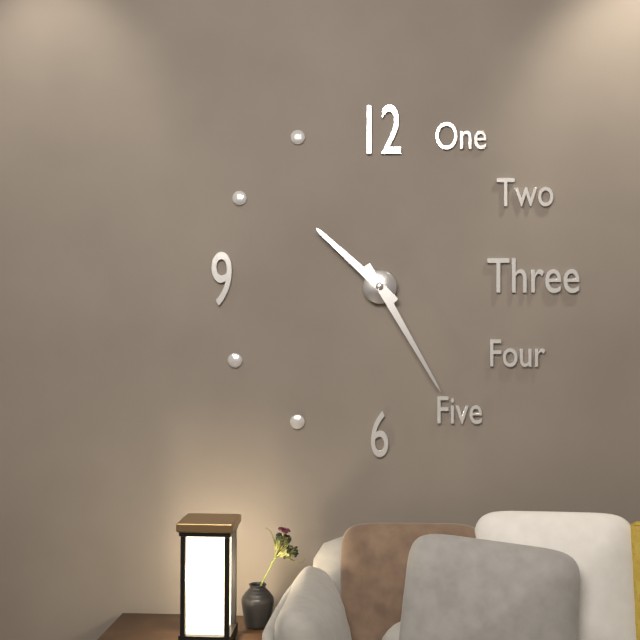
10:25
